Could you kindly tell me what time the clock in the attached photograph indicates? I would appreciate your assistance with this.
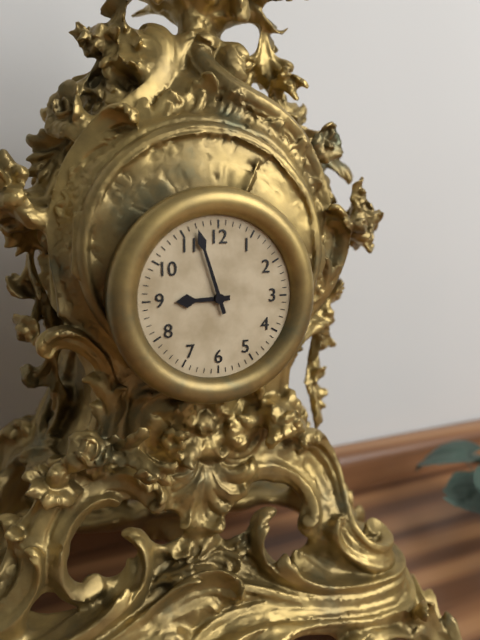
8:57
